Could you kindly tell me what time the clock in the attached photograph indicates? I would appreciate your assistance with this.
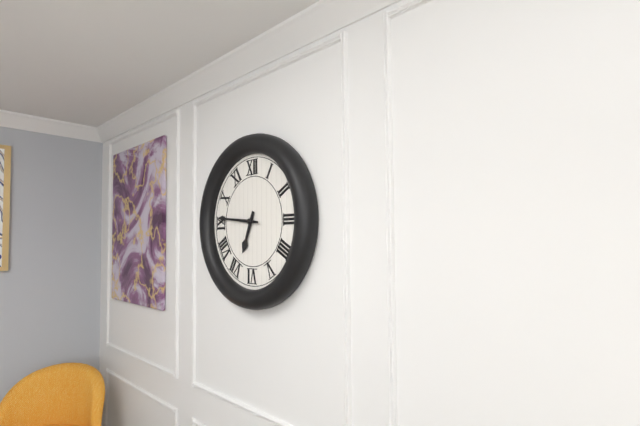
6:46
